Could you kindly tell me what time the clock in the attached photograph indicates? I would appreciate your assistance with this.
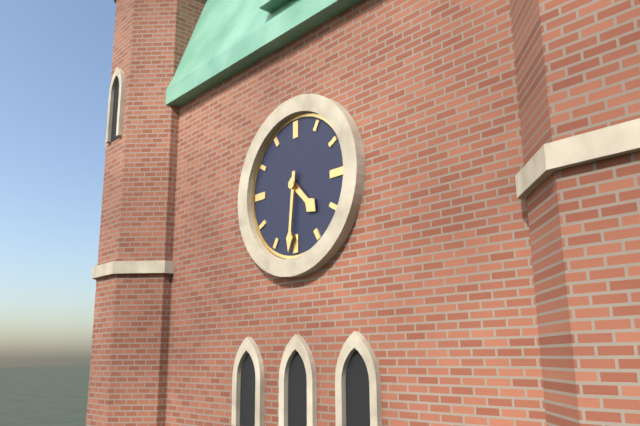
4:31
